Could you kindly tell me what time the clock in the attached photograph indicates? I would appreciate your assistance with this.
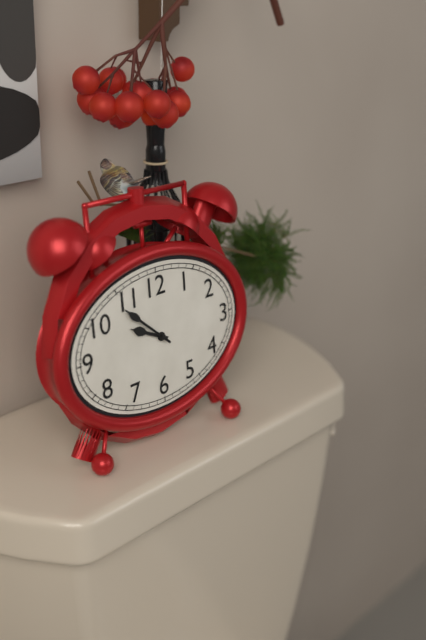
9:52
